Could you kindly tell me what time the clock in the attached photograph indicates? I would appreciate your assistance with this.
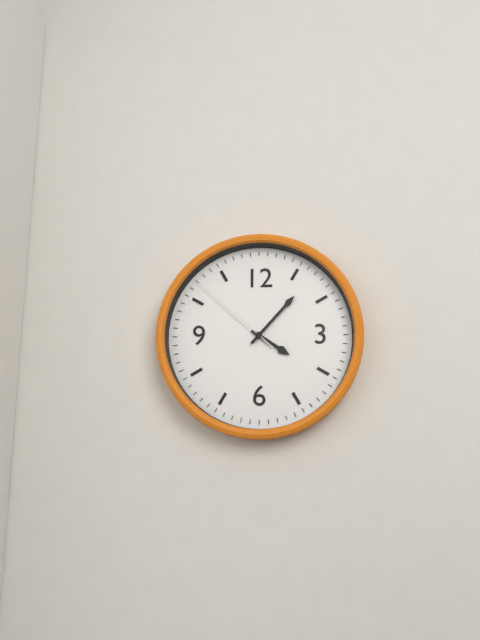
4:07:52
